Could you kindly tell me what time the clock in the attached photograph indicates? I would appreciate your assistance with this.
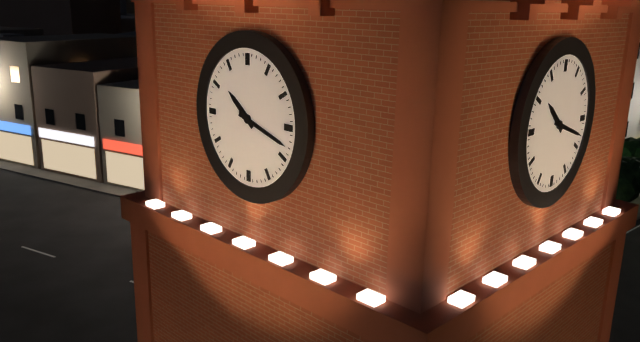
10:18
